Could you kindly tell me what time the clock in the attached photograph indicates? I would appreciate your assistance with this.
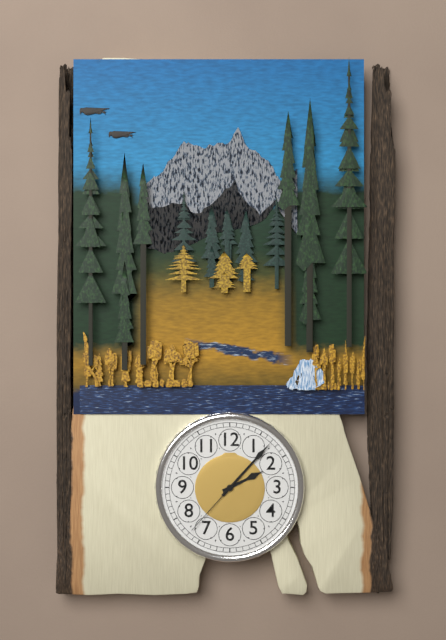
2:07:37
